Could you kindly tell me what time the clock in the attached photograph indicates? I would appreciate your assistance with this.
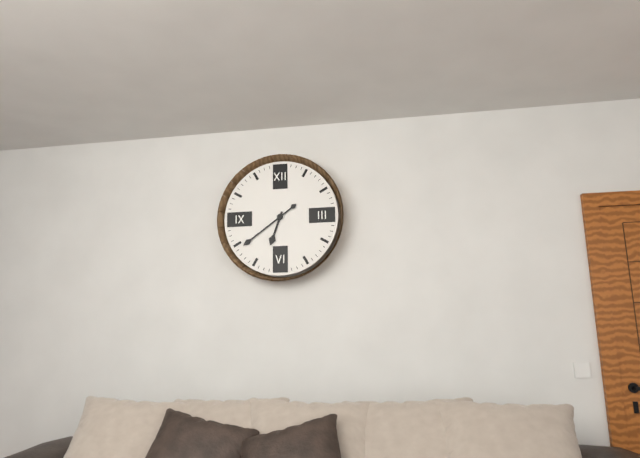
6:39
